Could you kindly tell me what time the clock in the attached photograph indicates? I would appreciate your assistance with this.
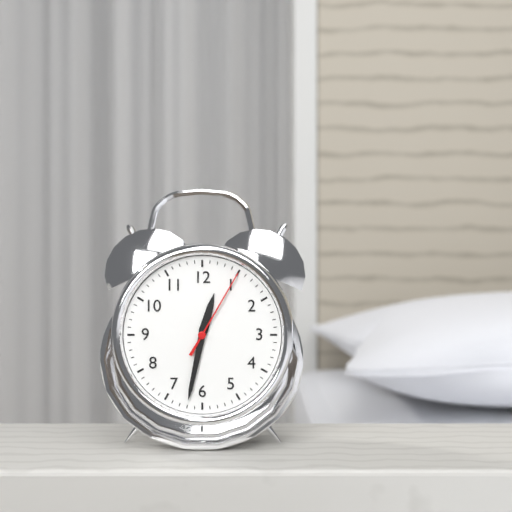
12:32:05
